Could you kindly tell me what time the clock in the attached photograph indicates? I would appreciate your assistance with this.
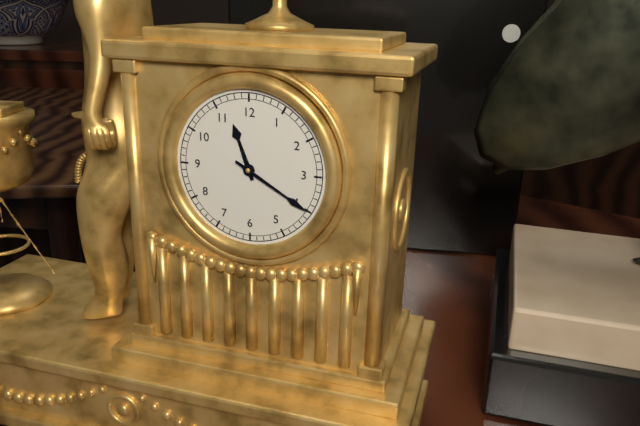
11:20
